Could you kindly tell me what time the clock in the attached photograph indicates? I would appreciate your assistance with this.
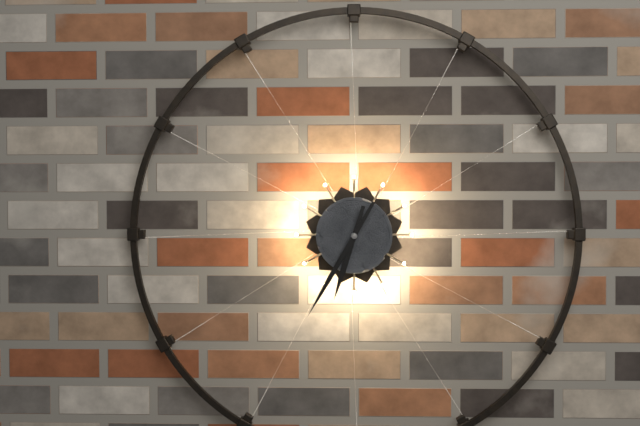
6:35
